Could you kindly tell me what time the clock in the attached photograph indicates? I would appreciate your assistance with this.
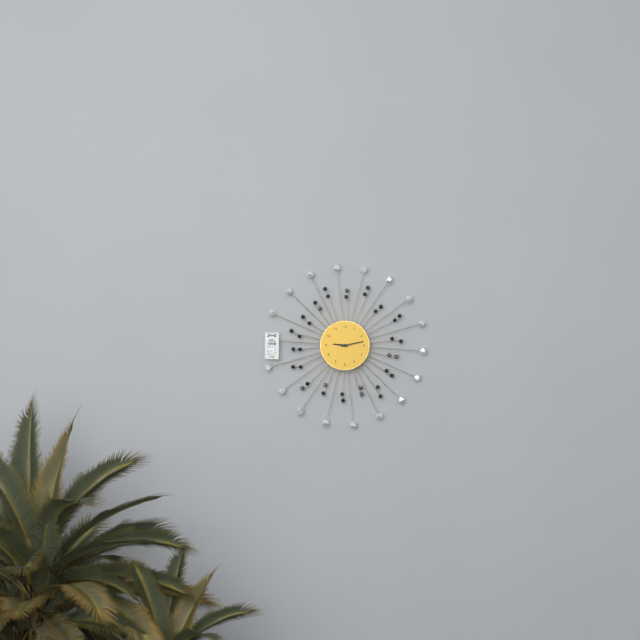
9:13
